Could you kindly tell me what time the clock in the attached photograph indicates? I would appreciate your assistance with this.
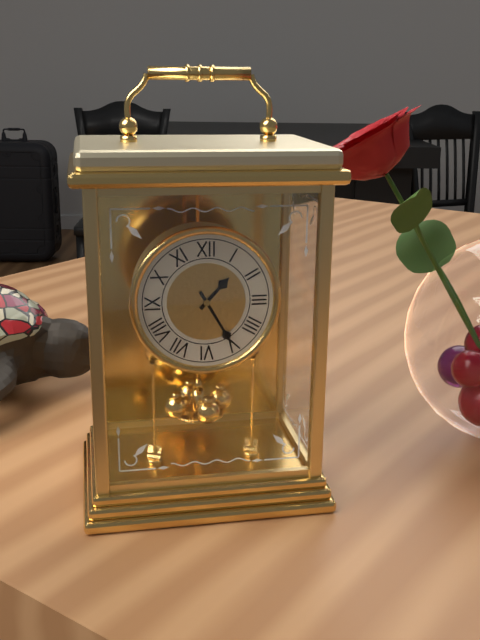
1:25
